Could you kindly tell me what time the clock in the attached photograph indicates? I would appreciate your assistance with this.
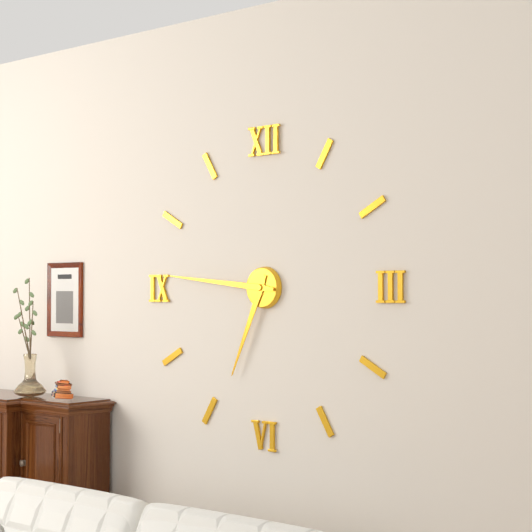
6:46
